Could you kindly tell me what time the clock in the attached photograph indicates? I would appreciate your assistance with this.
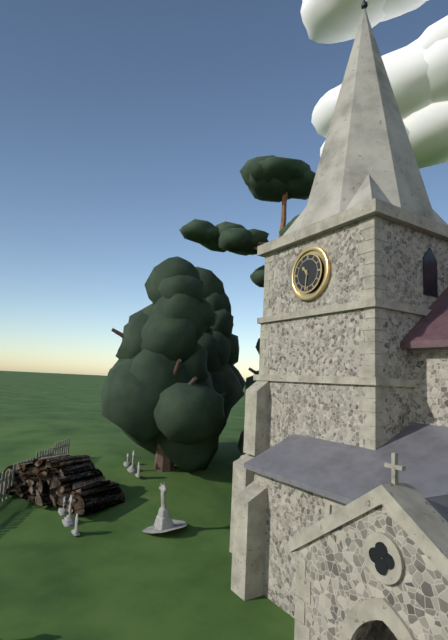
10:31
